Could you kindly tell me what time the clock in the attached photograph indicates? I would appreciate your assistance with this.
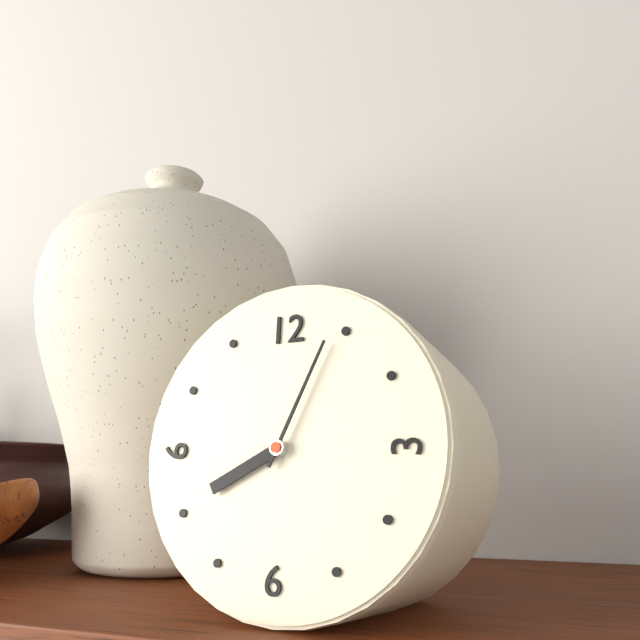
8:04
